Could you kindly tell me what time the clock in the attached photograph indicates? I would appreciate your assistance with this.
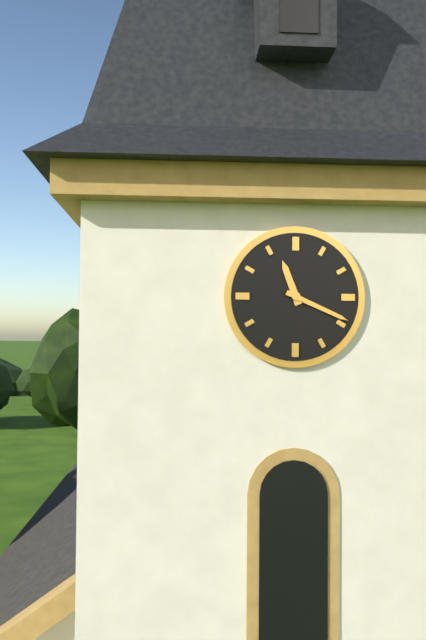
11:19
